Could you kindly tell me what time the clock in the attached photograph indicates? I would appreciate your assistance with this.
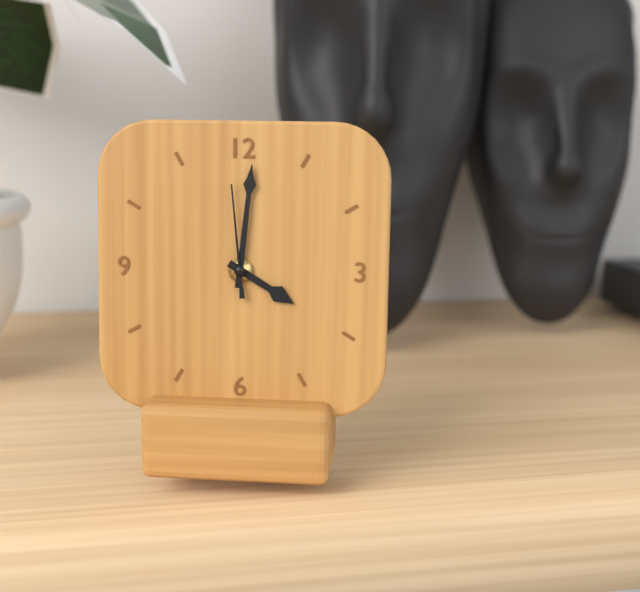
4:01:59
